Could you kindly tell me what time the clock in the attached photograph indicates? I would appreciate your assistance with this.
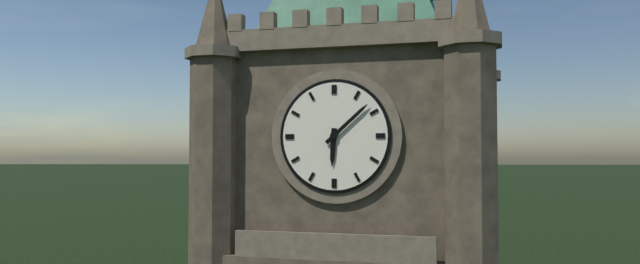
6:08
